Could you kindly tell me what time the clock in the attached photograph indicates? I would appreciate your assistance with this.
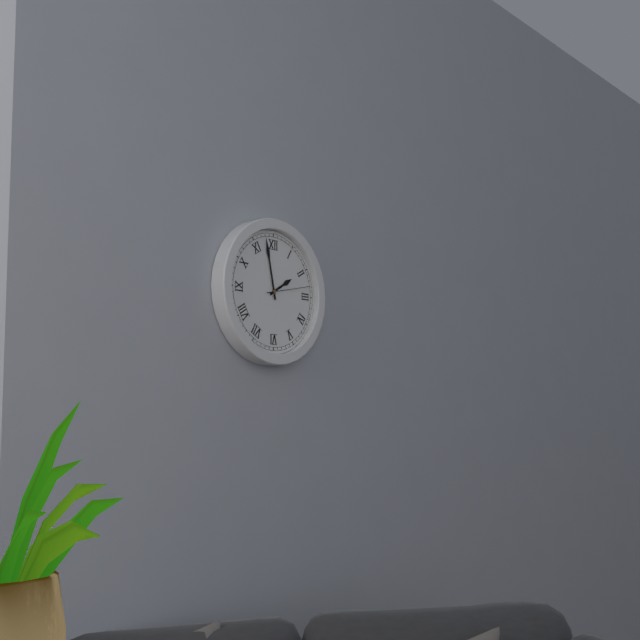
1:58
